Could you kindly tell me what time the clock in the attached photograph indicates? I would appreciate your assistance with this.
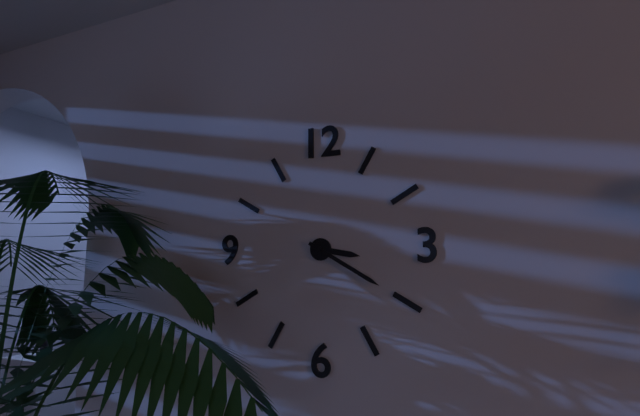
3:20
